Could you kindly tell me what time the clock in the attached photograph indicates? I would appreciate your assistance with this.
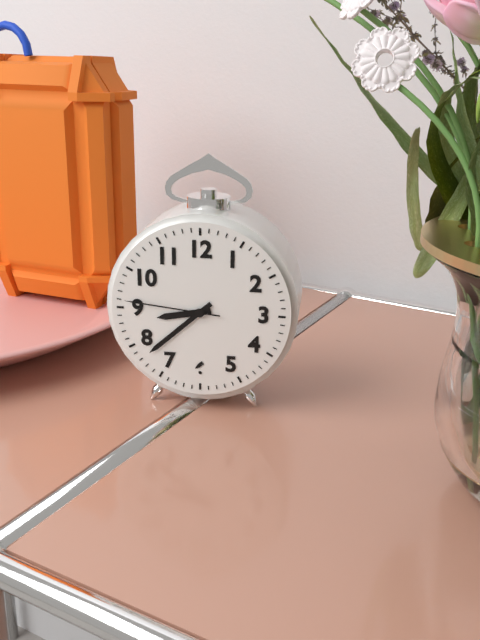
8:38:46
